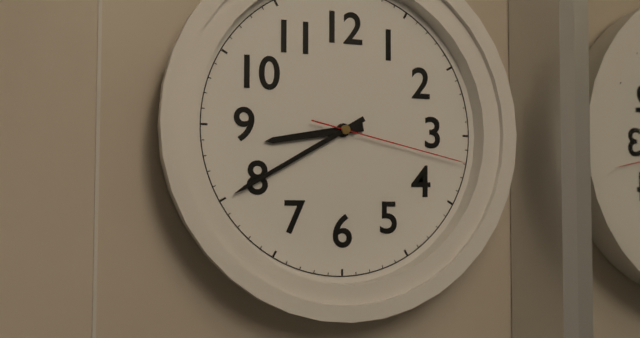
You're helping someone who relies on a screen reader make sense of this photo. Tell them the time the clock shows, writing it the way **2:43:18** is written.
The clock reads **8:40:17**
